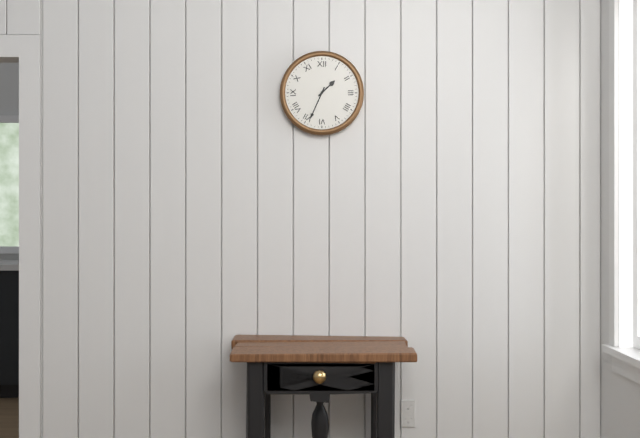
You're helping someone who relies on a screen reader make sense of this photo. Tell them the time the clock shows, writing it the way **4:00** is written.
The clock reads **1:34**
